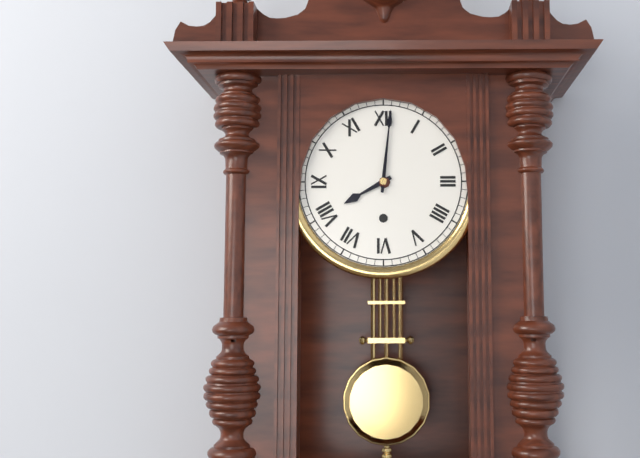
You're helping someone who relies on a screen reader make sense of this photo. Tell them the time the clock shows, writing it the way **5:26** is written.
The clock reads **8:01**
